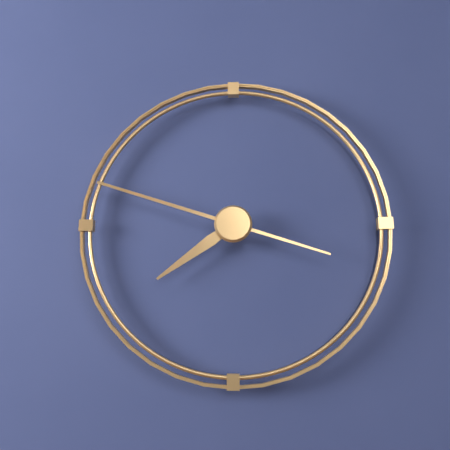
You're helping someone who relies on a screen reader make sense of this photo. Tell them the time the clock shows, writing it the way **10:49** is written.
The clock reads **7:48**
